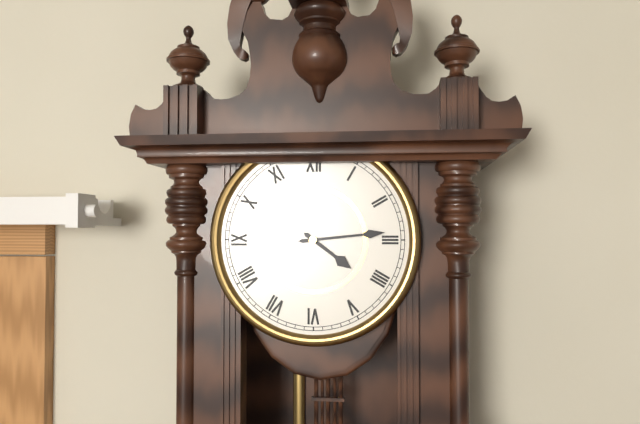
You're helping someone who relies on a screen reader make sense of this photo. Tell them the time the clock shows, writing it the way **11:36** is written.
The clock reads **4:14**
